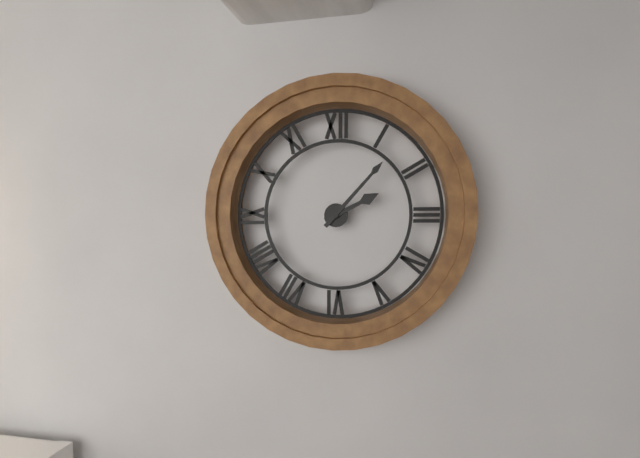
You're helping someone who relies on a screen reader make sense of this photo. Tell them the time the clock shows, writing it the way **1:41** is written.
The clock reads **2:07**
